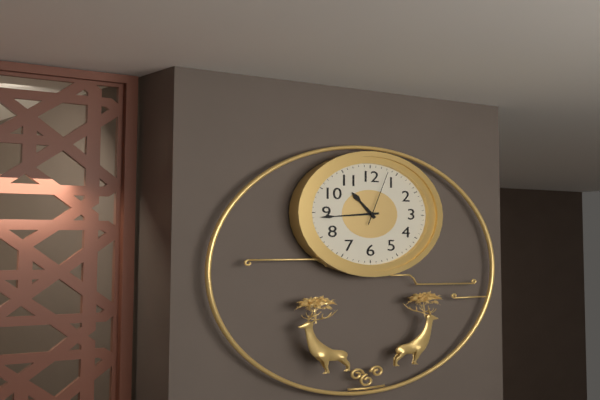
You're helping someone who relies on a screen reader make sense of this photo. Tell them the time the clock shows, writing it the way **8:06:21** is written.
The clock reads **10:44:03**
